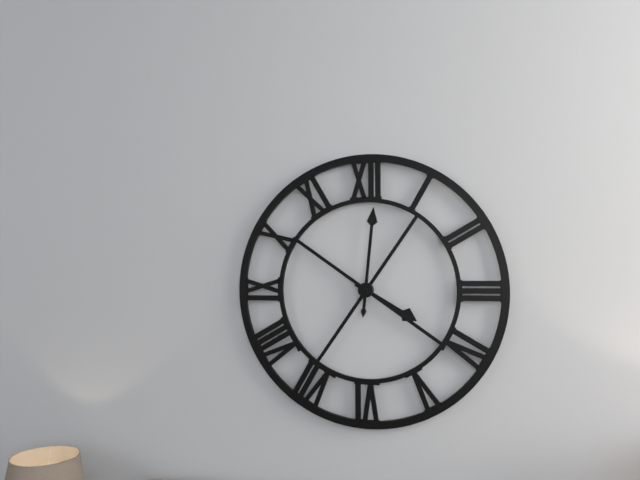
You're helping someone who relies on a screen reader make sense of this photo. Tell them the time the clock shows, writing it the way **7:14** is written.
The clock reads **4:01**
